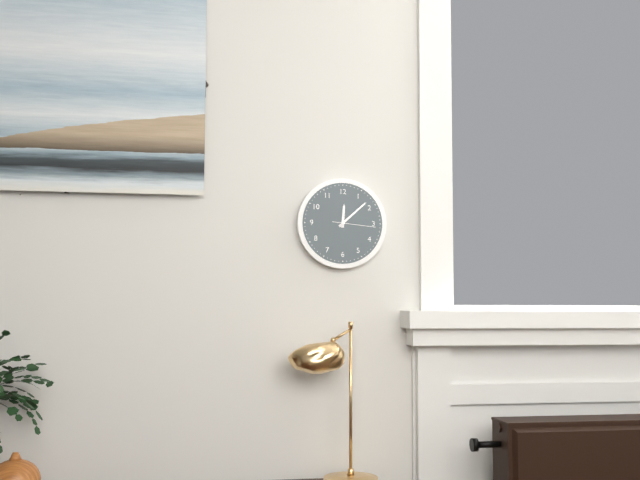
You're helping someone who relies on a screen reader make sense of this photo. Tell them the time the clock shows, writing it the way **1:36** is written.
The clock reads **12:08**
